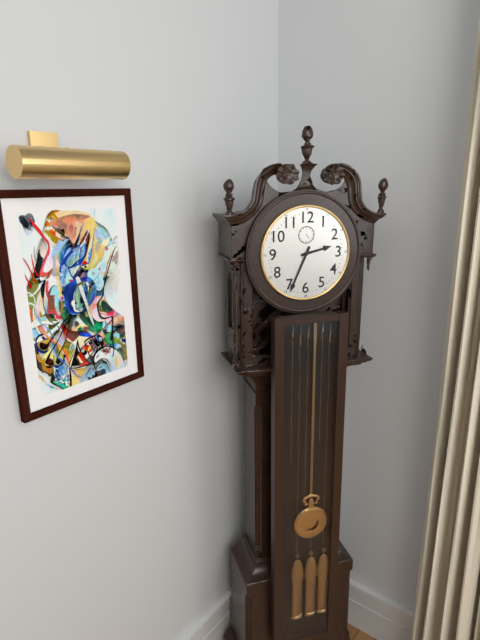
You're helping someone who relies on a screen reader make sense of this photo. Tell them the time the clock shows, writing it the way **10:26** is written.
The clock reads **2:34**
